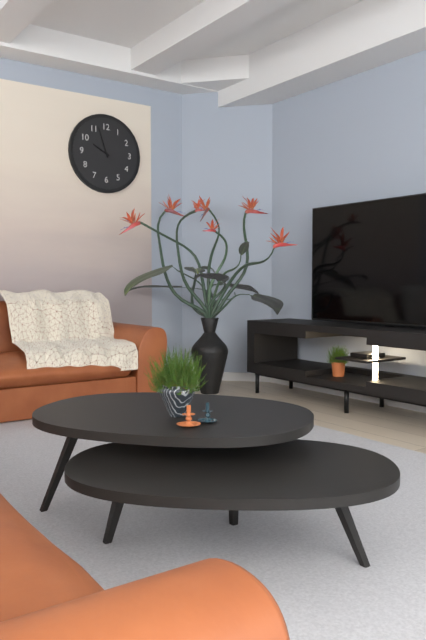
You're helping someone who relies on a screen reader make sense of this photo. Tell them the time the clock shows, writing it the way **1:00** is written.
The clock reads **9:57**
